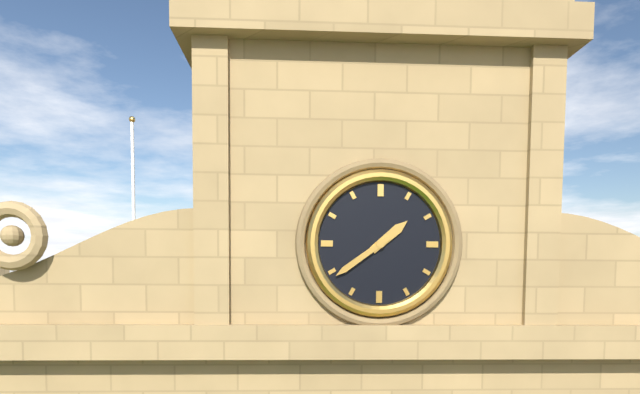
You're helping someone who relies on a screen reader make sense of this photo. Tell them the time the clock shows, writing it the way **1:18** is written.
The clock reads **1:39**
